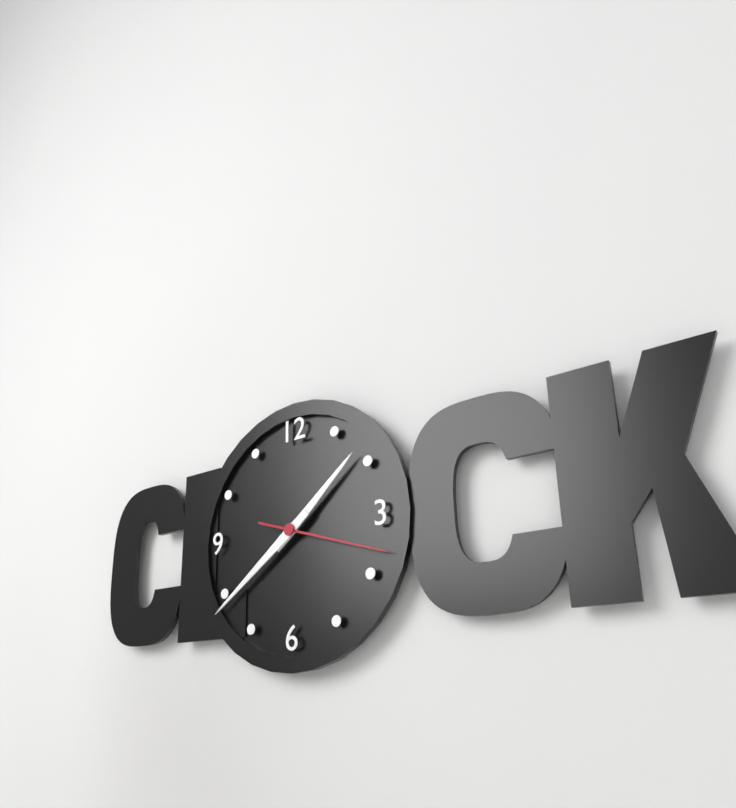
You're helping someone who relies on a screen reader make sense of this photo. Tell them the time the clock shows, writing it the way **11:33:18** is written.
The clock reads **1:39:18**
